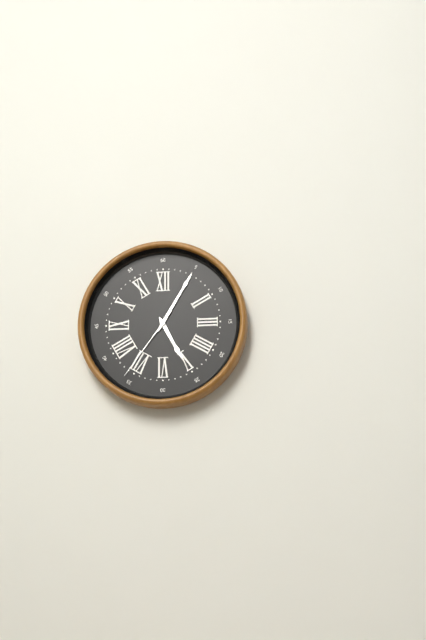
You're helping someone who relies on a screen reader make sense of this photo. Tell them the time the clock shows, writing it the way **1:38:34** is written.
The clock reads **5:05:36**
